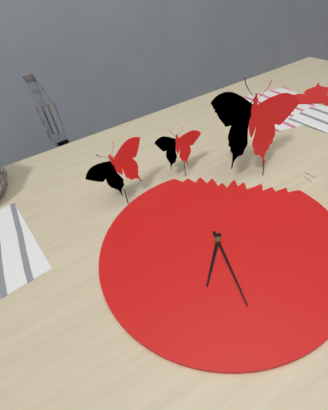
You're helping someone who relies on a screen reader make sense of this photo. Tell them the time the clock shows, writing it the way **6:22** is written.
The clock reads **7:33**
